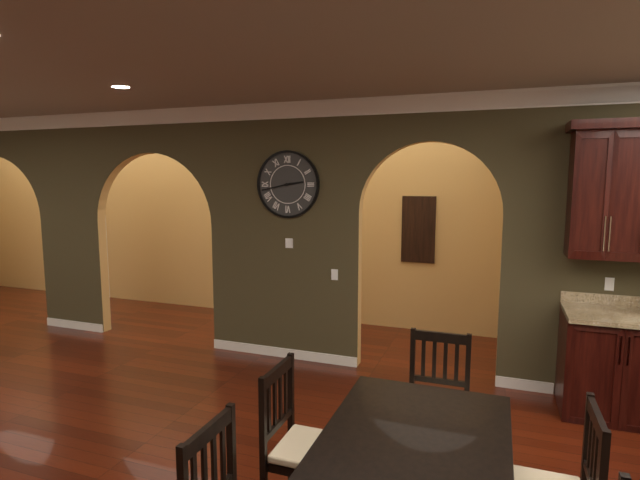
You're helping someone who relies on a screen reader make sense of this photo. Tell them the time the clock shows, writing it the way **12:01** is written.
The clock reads **2:43**
